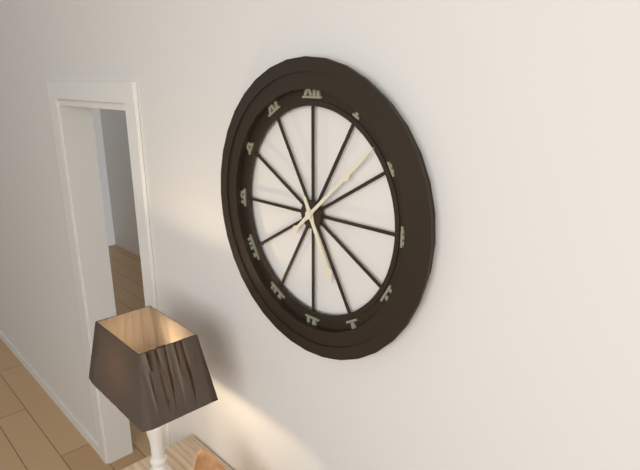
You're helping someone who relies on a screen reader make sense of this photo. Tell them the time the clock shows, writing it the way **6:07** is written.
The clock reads **5:08**
